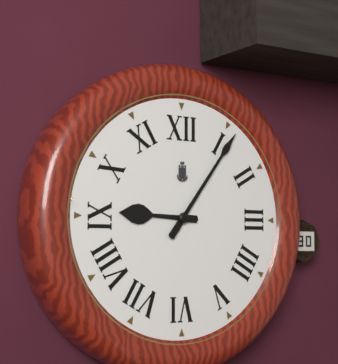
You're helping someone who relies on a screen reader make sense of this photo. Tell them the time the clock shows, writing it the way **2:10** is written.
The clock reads **9:06**
